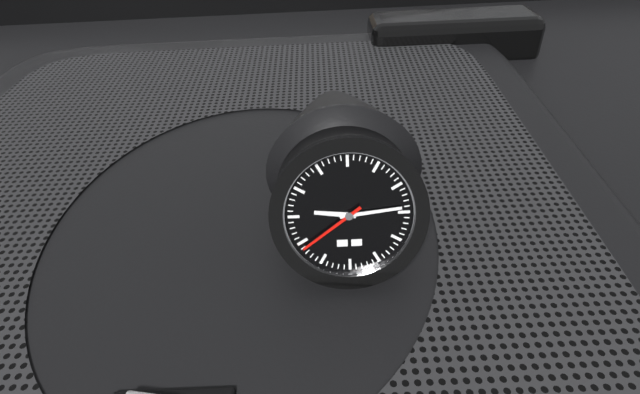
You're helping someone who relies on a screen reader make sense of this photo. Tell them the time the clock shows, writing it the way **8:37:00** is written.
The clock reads **9:14:39**
